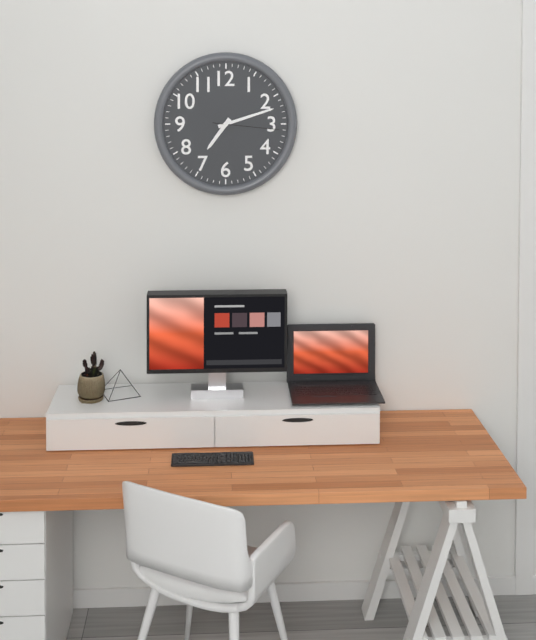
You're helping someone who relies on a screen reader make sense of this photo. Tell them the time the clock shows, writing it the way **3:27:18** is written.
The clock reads **7:12:16**
